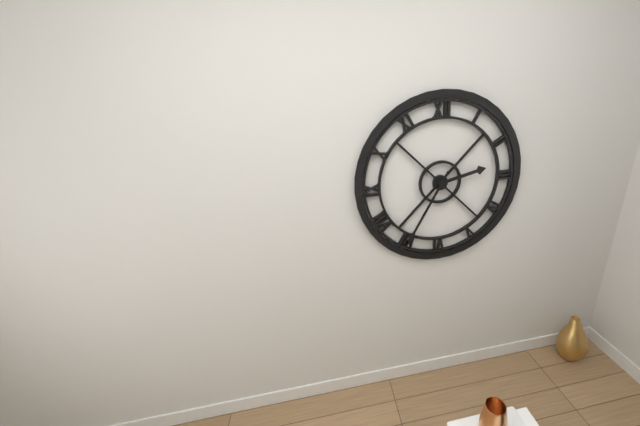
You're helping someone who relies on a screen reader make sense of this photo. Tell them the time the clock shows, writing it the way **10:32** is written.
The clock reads **2:35**
